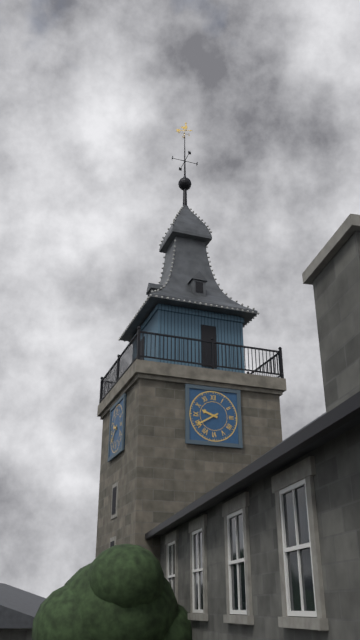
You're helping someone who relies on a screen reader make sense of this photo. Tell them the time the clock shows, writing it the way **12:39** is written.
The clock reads **9:40**
